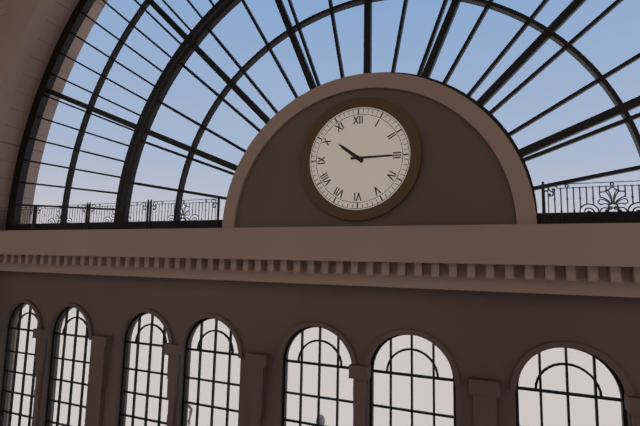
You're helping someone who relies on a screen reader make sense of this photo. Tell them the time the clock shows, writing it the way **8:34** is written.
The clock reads **10:15**
